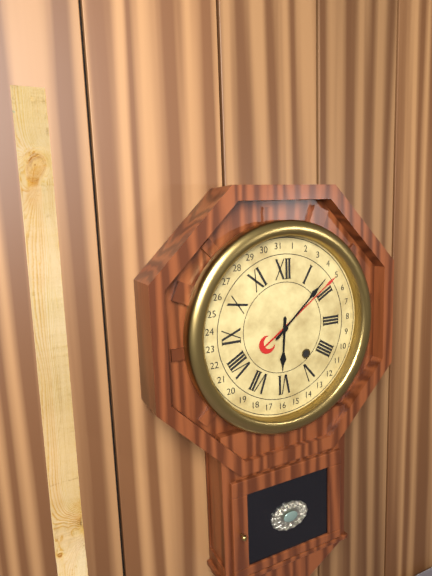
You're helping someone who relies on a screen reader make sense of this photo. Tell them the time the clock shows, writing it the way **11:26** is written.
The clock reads **6:08**
